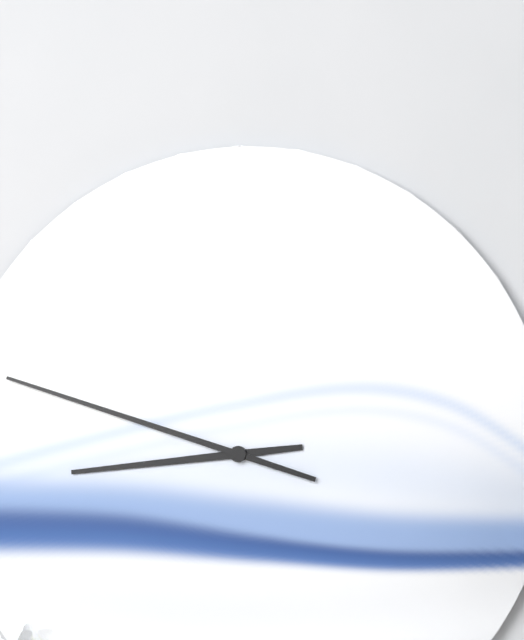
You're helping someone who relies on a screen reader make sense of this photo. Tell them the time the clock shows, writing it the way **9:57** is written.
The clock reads **8:48**
